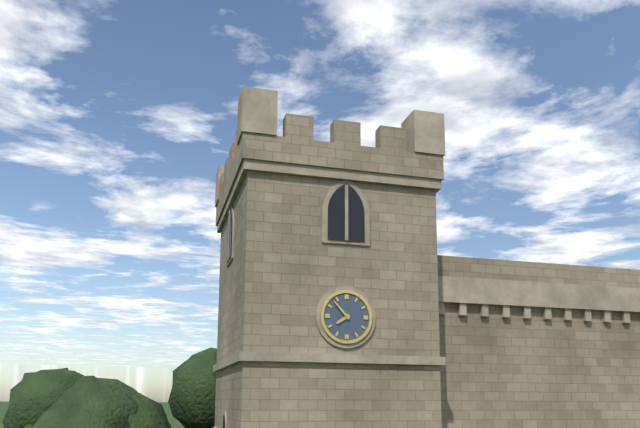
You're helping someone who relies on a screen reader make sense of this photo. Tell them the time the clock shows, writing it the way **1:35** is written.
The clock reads **7:53**
